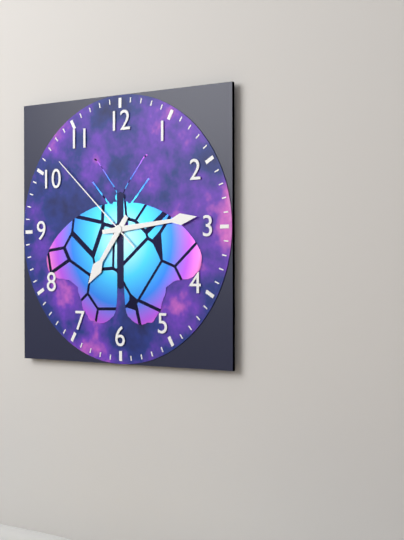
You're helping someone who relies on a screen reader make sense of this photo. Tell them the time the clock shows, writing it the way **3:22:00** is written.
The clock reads **7:14:52**
